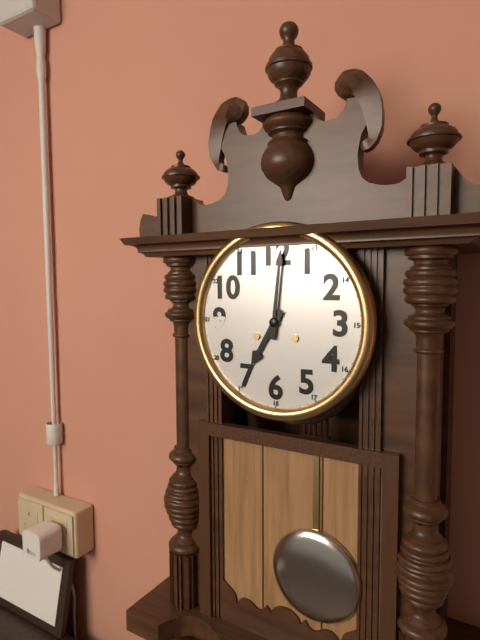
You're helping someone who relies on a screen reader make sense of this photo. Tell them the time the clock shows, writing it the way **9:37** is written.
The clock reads **7:01**
